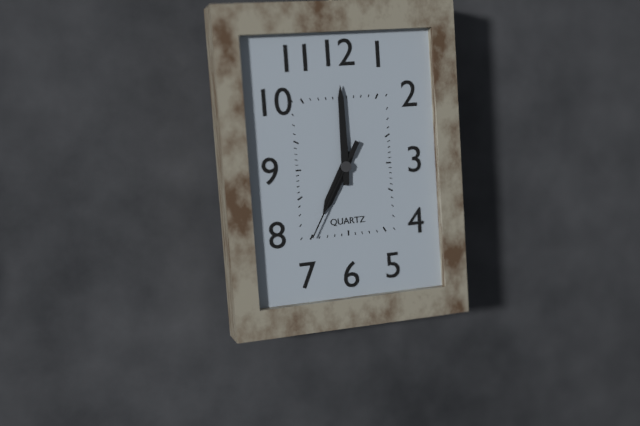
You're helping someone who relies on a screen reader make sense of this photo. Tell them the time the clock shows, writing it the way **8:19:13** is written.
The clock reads **7:00:35**
